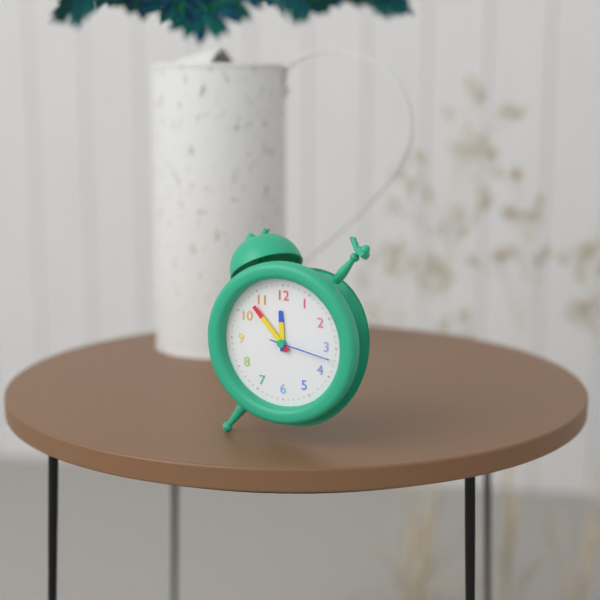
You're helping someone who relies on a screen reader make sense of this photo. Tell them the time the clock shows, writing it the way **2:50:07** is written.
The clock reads **11:53:17**
